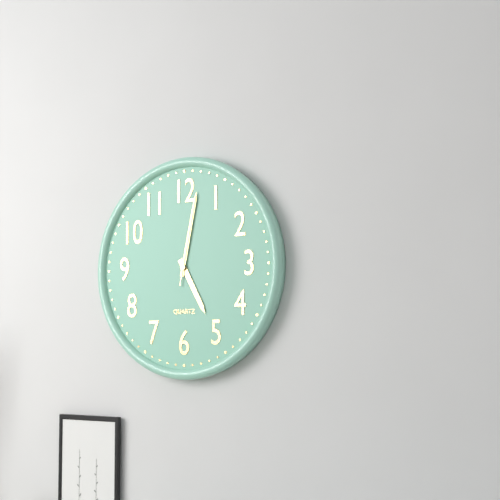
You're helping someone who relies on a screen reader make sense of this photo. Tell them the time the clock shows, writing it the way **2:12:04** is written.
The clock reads **5:02:02**
